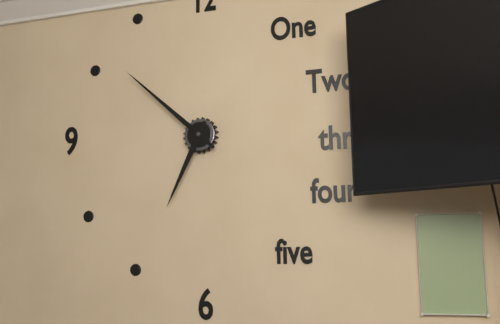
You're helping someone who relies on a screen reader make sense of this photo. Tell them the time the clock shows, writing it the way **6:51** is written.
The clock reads **6:52**
